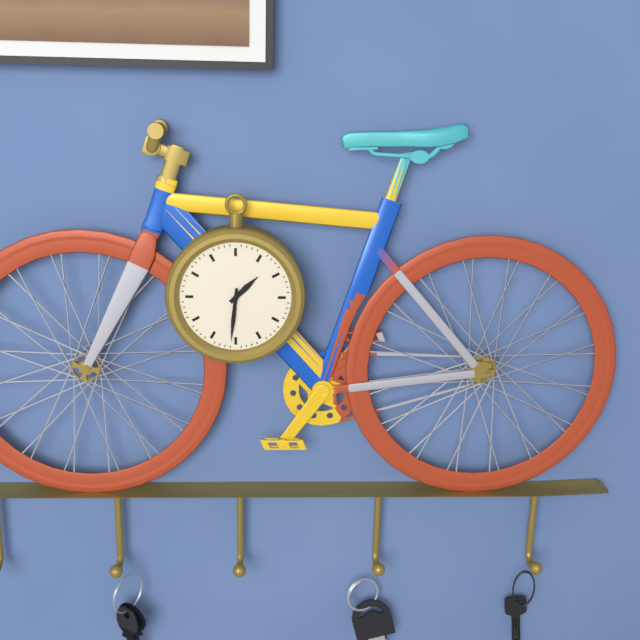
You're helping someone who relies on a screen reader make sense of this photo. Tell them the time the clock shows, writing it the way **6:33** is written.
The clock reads **1:31**
